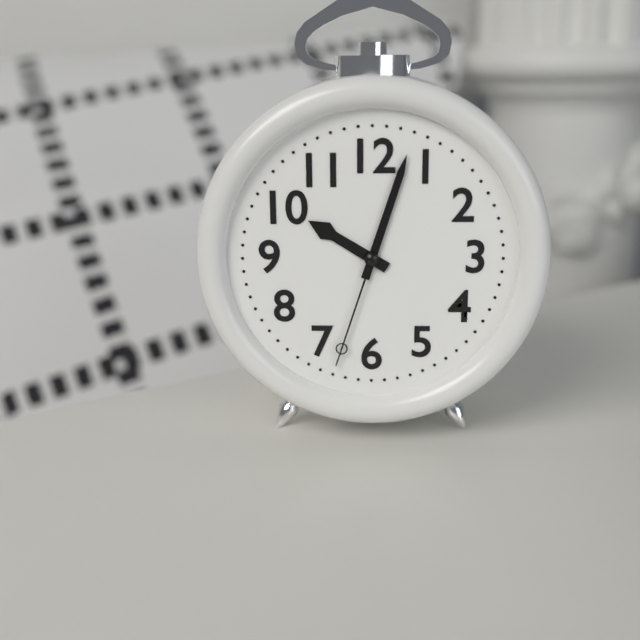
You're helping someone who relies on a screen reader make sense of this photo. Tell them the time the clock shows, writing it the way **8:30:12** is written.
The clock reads **10:03:33**
